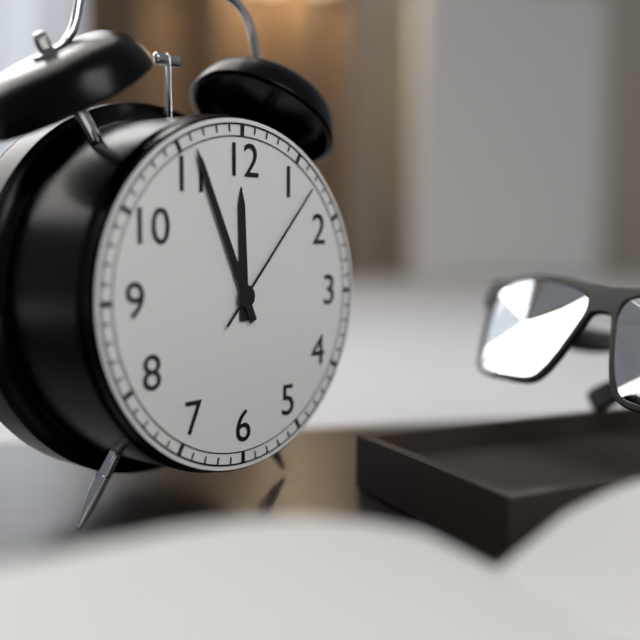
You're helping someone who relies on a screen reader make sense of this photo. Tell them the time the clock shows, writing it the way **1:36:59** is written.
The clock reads **11:56:07**
